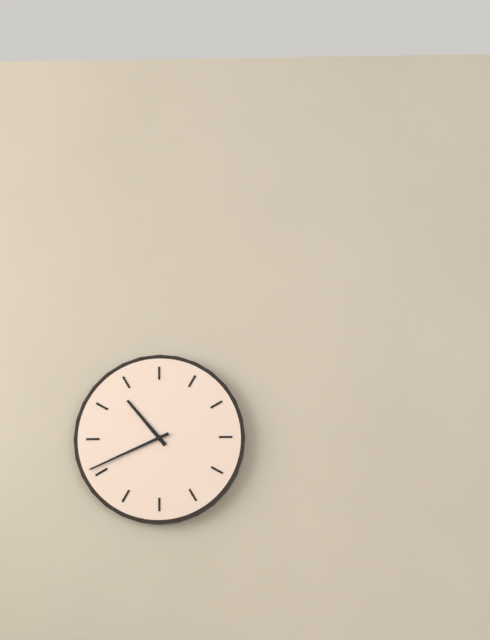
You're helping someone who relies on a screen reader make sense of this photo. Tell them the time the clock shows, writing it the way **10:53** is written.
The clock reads **10:41**
